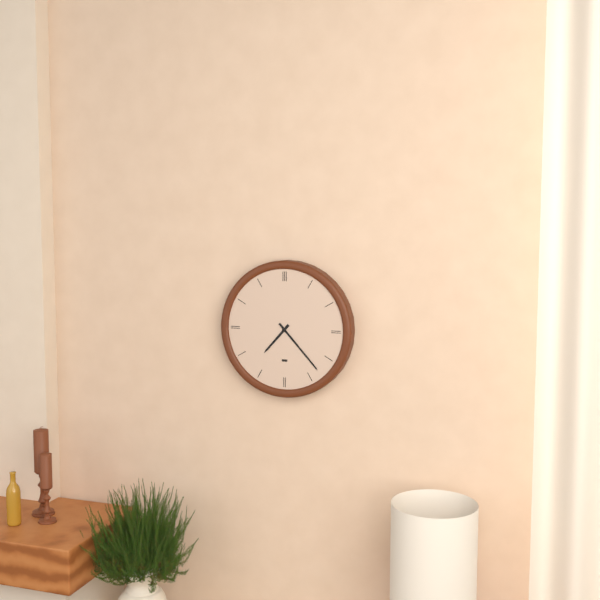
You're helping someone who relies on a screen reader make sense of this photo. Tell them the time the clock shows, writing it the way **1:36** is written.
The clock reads **7:23**
